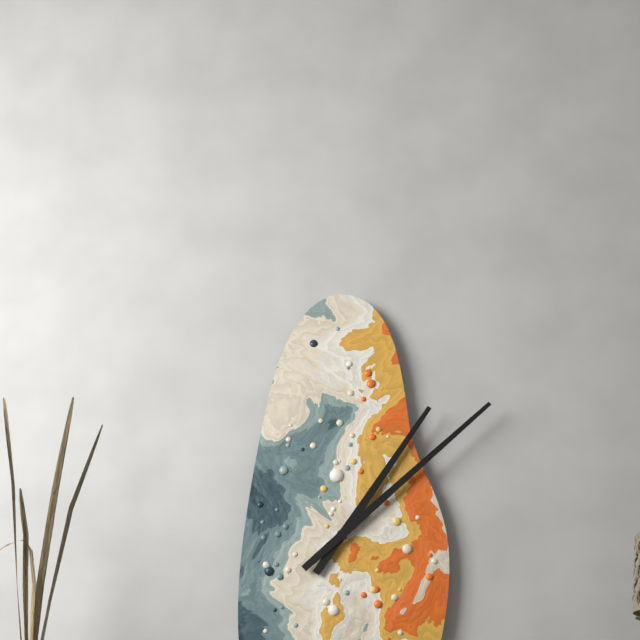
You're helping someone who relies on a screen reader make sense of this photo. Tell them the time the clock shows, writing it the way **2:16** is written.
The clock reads **1:08**
